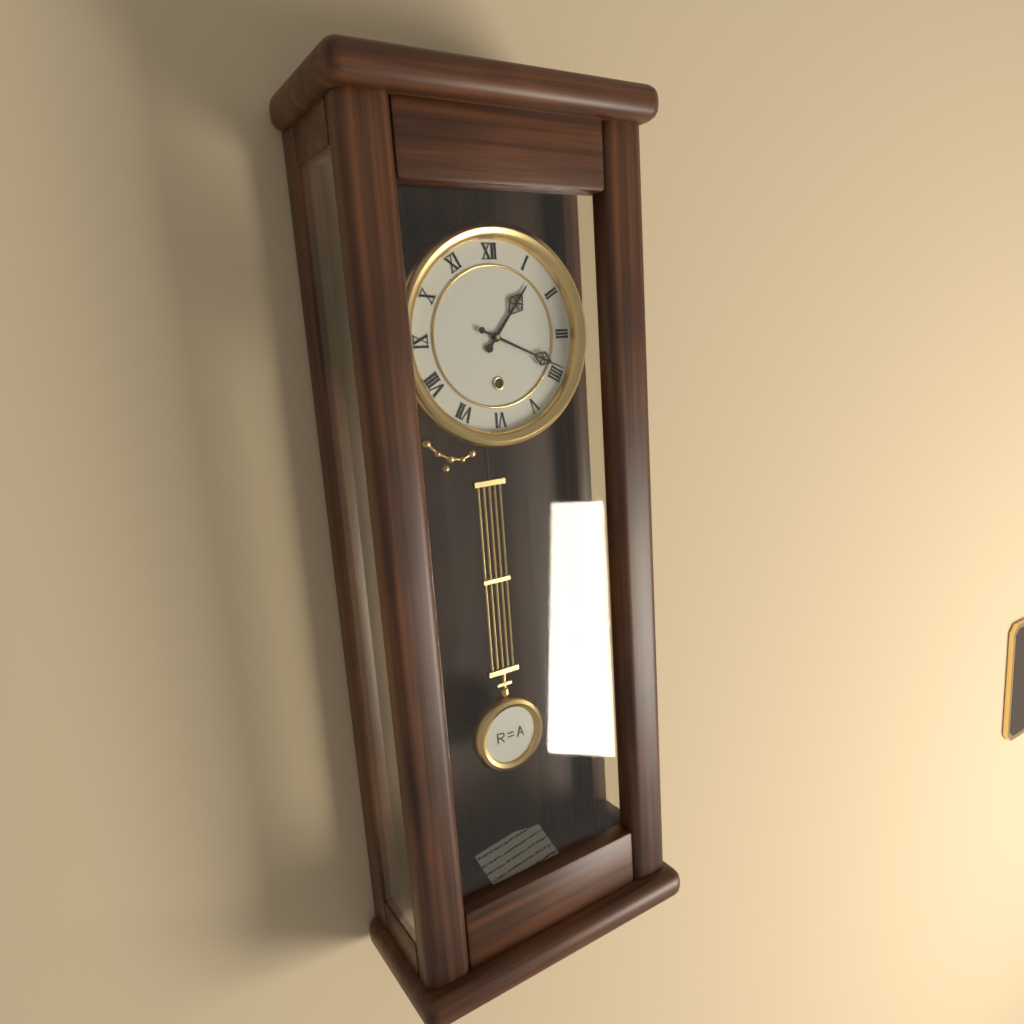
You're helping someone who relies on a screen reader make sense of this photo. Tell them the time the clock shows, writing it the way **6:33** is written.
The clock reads **1:19**
